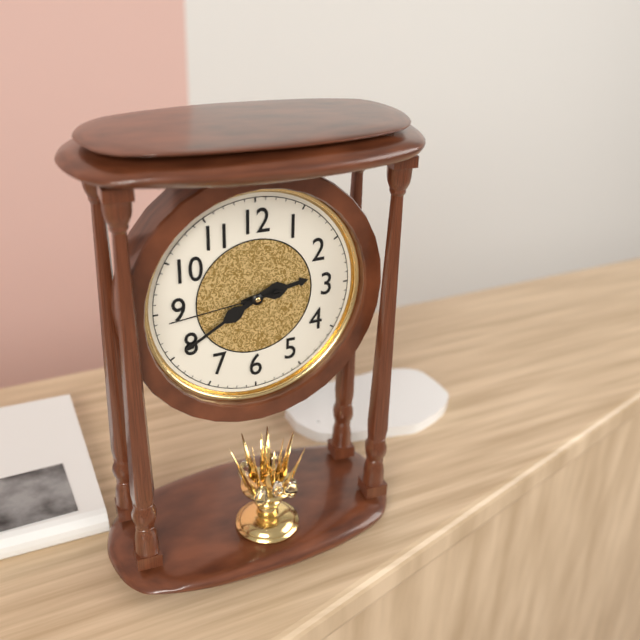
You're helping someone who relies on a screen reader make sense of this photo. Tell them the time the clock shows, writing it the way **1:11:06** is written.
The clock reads **2:40:44**
